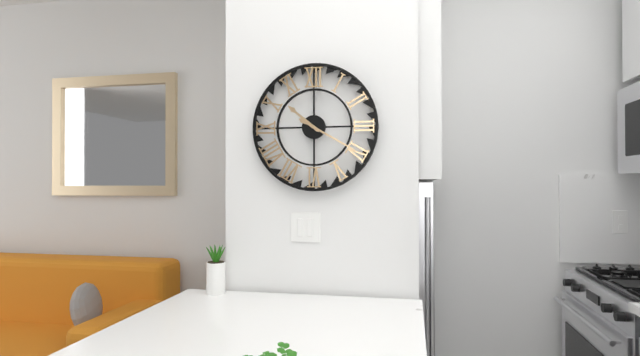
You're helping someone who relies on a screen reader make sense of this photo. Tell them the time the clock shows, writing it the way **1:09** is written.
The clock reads **10:20**
